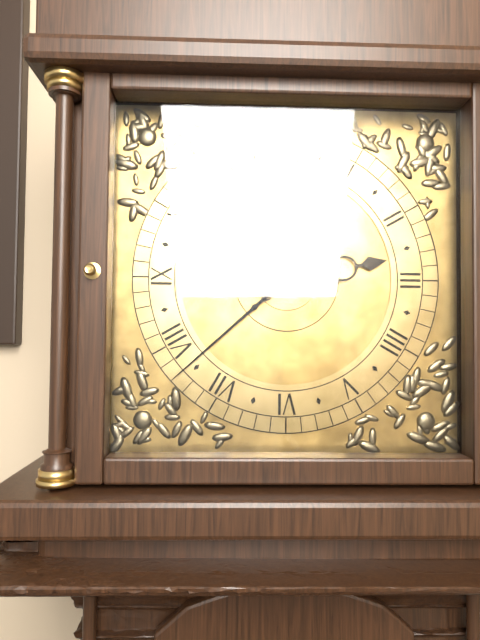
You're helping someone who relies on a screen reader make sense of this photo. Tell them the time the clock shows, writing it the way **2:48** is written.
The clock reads **2:38**
